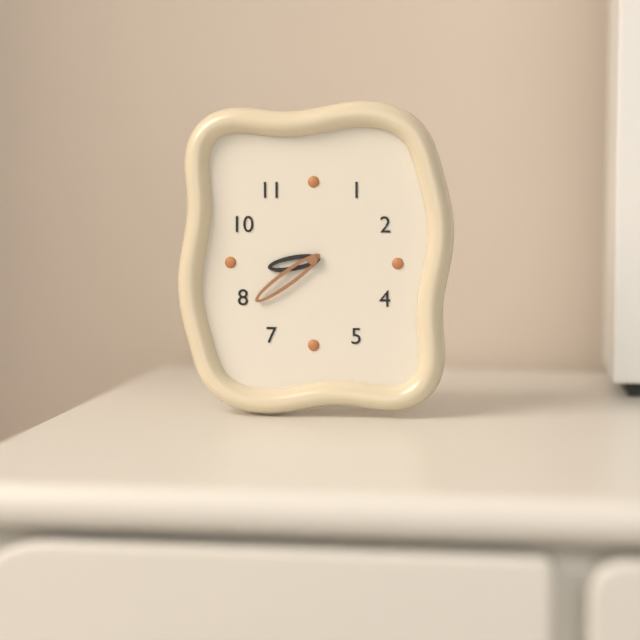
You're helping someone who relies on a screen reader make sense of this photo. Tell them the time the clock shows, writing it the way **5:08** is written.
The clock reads **8:39**
